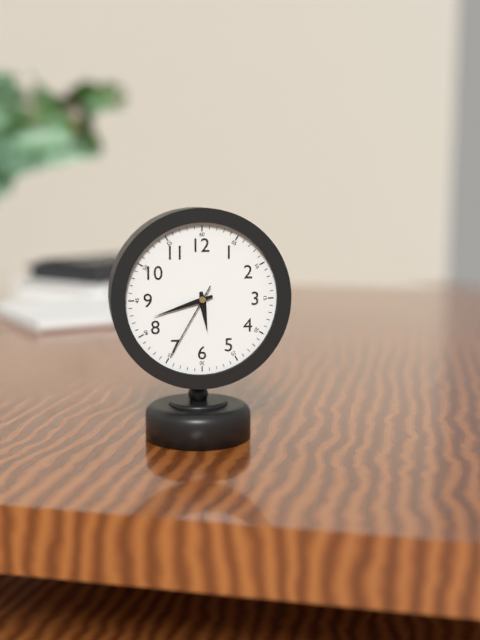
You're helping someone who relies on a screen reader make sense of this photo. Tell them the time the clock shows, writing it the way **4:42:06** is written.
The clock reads **5:42:35**
